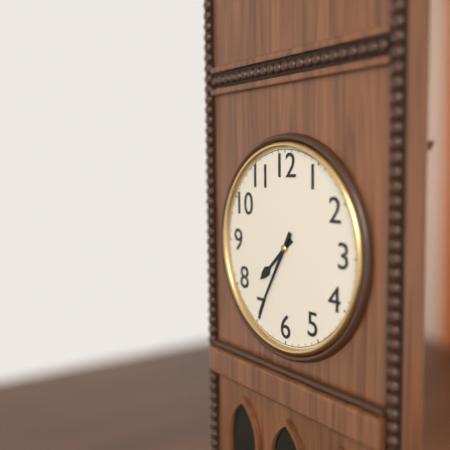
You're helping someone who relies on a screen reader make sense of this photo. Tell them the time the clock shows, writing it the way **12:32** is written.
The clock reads **7:35**
